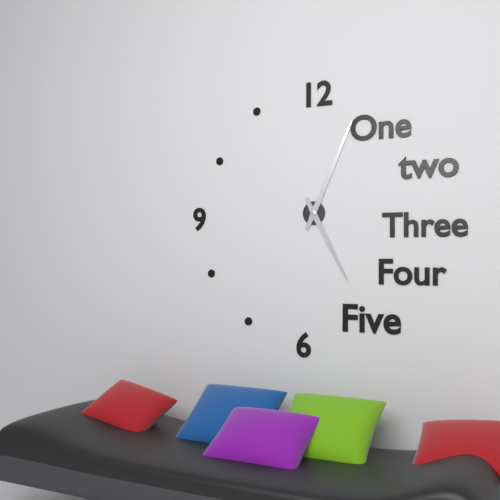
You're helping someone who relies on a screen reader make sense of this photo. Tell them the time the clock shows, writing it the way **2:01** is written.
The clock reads **5:04**
